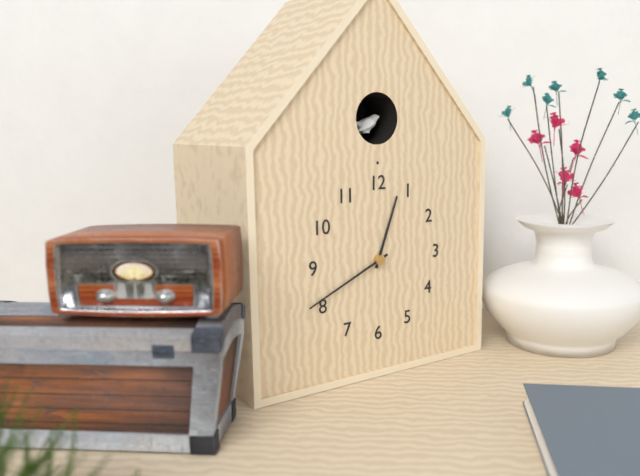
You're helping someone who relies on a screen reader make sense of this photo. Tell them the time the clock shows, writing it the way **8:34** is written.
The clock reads **12:41**
